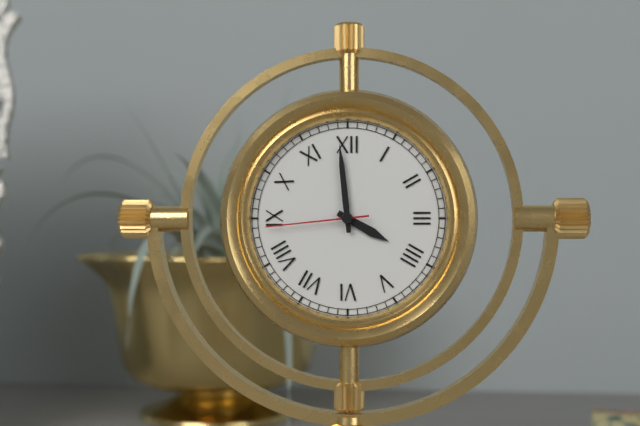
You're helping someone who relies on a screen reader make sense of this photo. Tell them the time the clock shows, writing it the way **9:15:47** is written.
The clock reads **3:59:44**
